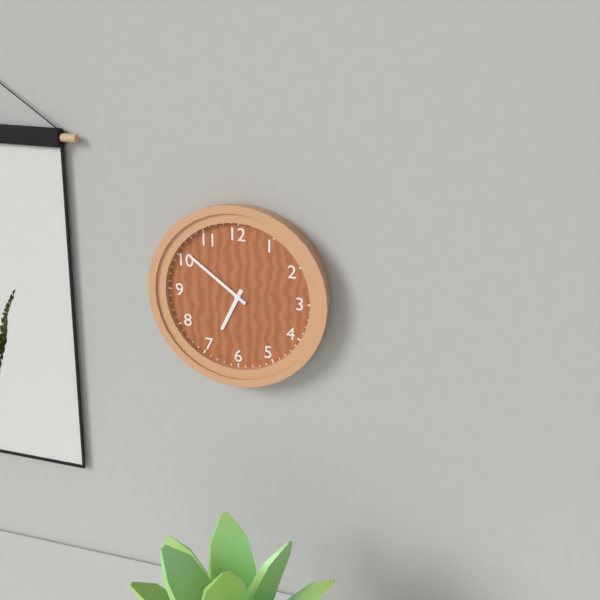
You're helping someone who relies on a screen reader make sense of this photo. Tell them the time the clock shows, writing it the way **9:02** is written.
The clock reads **6:51**
